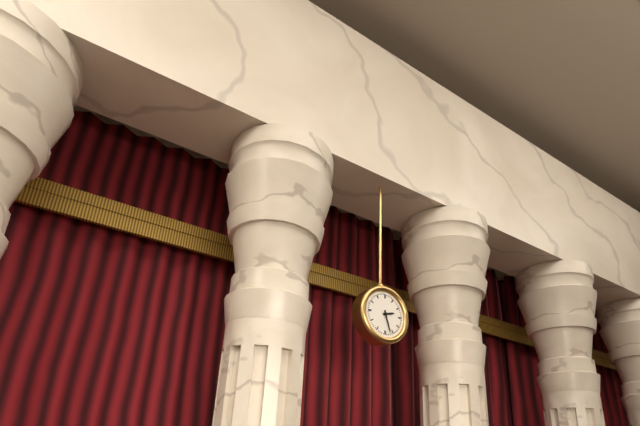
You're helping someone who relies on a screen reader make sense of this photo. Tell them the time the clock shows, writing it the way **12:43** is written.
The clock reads **2:27**
